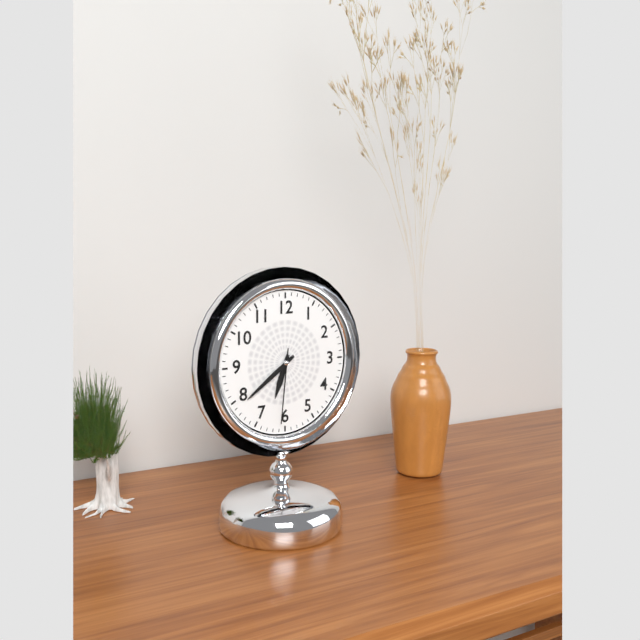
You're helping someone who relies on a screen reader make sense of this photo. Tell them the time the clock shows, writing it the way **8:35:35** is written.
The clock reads **6:39:31**
